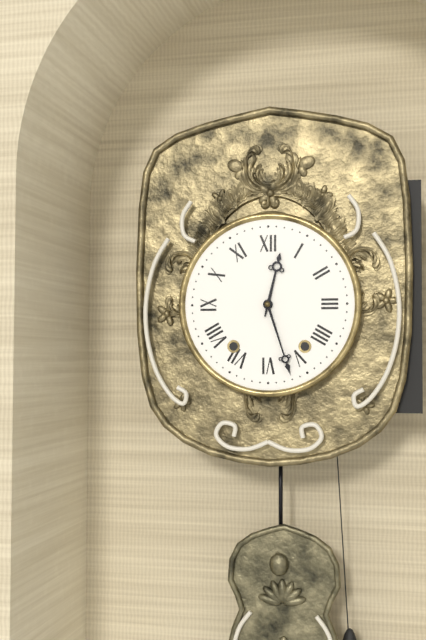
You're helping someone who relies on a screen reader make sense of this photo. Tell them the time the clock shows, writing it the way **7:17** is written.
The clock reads **12:27**
